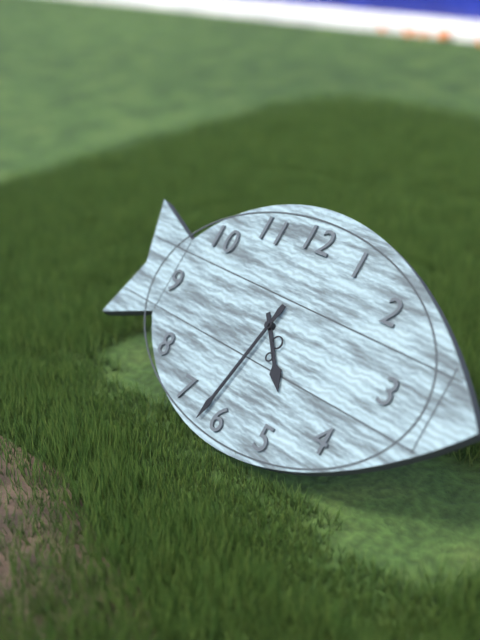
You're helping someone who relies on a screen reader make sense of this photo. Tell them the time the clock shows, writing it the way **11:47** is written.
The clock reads **4:32**
